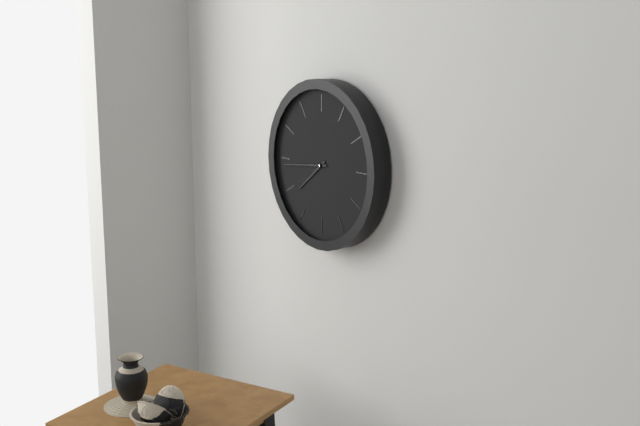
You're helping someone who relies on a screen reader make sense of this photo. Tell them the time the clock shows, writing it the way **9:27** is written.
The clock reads **7:44**
